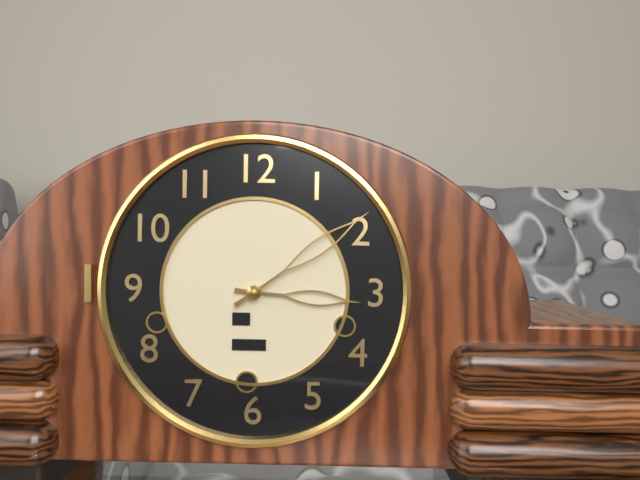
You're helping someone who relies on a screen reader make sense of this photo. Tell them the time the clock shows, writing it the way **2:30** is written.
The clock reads **3:09**
